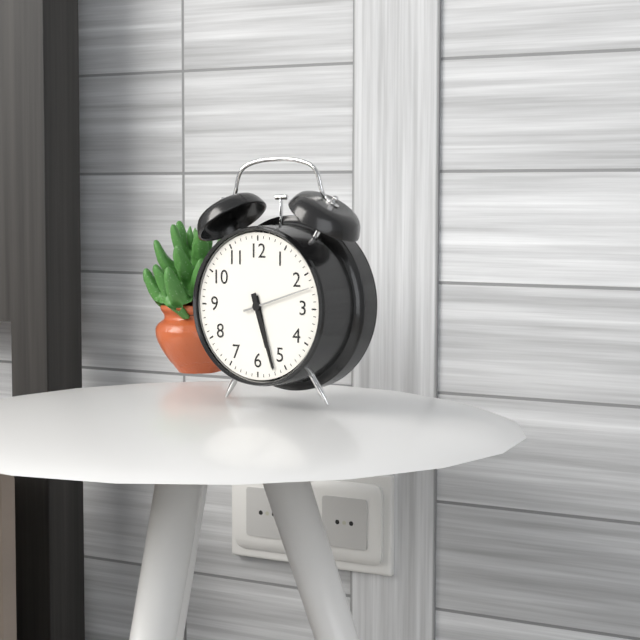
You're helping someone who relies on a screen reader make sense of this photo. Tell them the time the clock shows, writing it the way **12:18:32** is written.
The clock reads **5:27:12**
